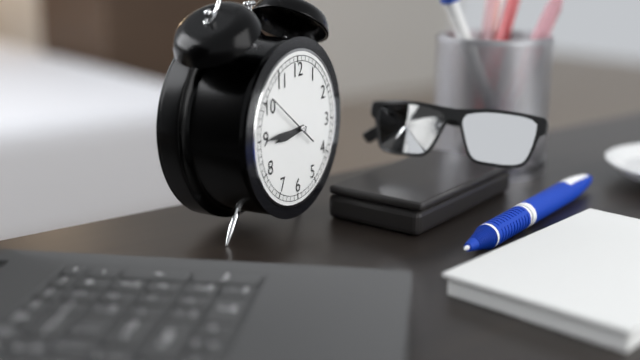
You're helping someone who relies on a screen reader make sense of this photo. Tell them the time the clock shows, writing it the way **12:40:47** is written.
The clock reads **8:45:51**
